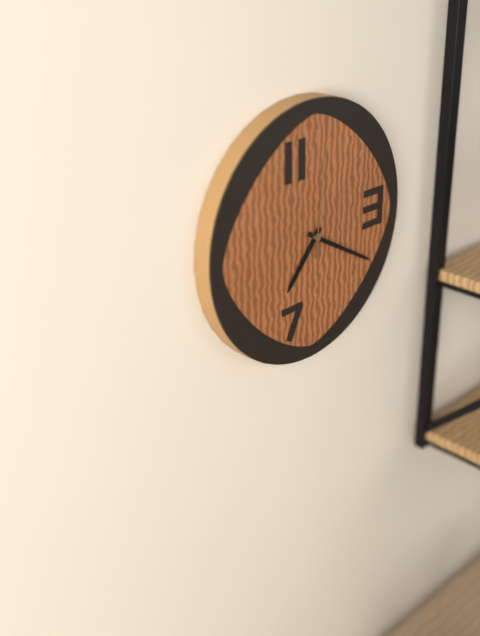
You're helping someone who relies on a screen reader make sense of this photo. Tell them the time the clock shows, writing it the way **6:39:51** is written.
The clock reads **7:20:01**
